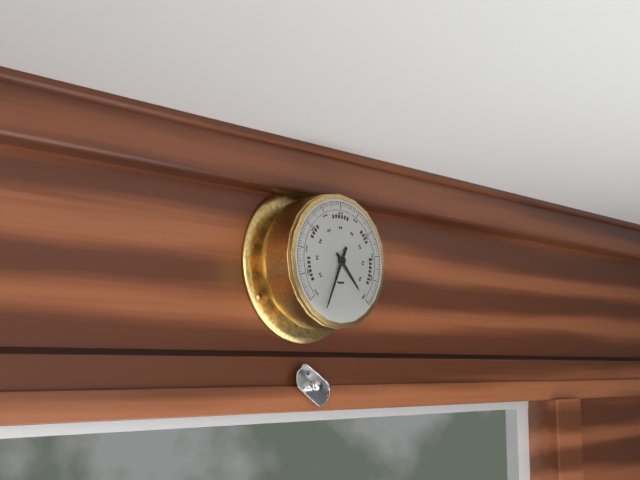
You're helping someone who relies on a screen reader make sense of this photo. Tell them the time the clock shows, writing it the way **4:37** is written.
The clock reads **4:34**
